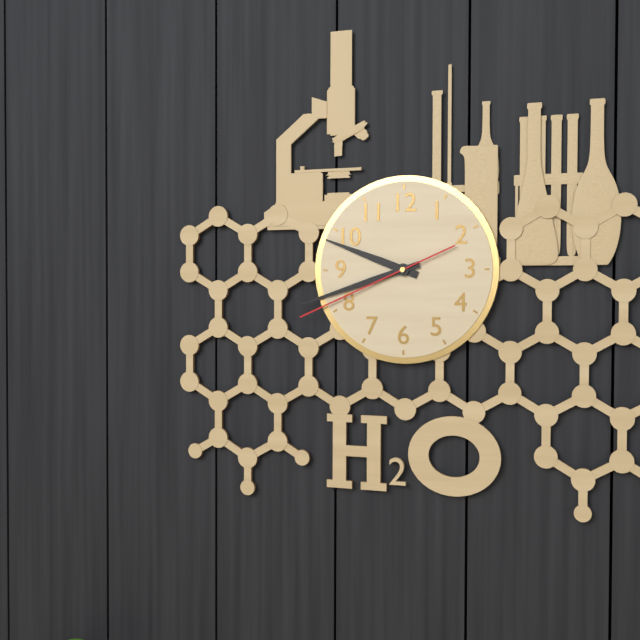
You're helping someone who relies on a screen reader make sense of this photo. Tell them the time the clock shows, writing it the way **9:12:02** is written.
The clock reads **9:42:41**
